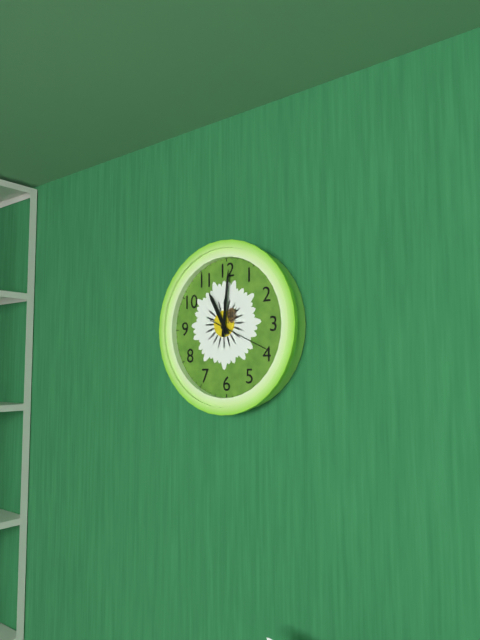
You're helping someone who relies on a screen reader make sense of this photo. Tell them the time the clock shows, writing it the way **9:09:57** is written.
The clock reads **11:01:19**
